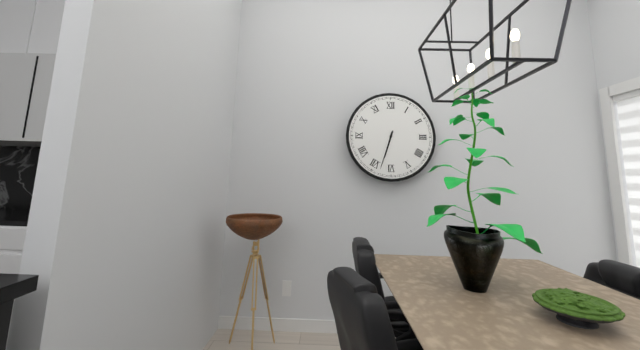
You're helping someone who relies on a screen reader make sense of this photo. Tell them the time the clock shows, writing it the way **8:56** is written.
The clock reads **6:33**
